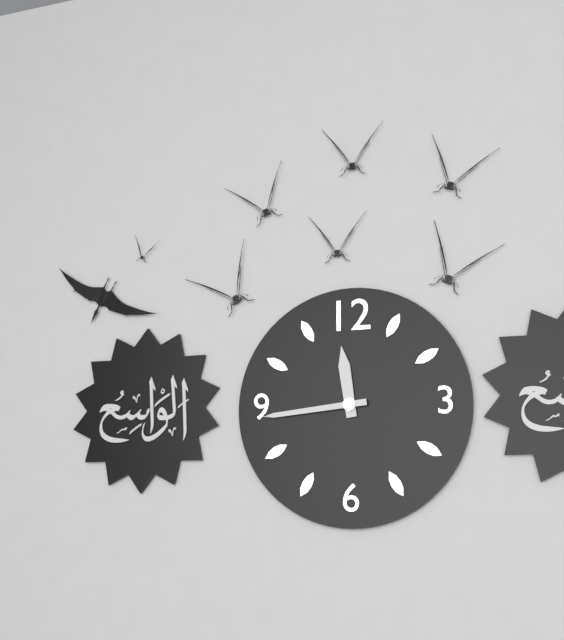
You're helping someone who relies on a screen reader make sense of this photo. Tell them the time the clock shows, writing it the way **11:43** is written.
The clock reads **11:44**
